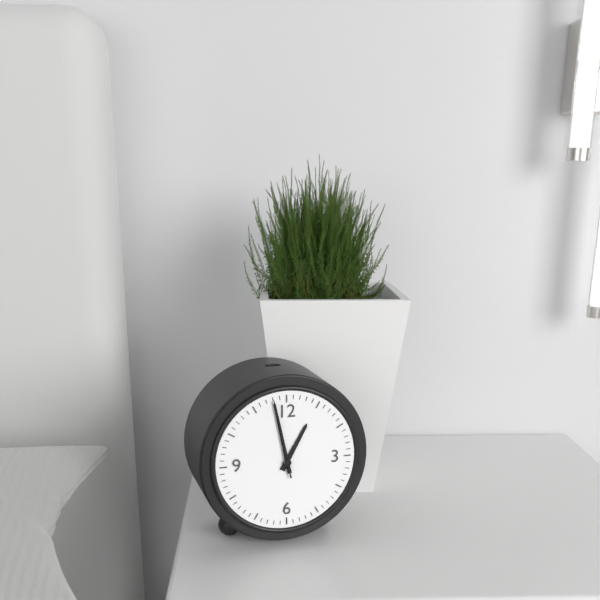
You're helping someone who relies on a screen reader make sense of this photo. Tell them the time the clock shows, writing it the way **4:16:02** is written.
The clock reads **12:58:58**
